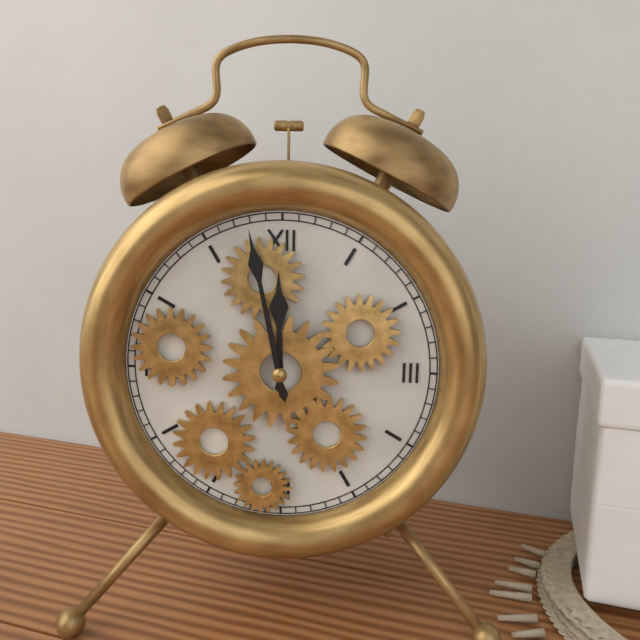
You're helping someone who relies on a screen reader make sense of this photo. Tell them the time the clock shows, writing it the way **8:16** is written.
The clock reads **11:58**
